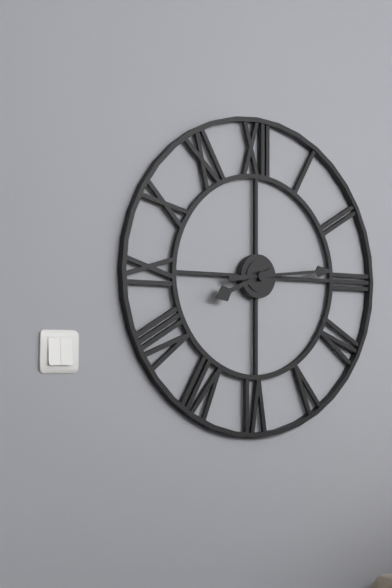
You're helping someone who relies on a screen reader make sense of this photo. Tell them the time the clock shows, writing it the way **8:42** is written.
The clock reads **8:14**
